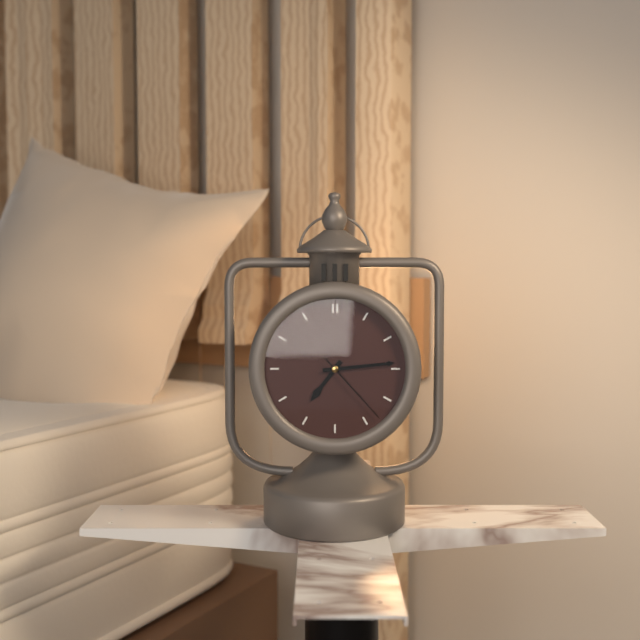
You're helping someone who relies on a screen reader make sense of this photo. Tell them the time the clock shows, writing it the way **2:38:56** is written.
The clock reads **7:14:23**
